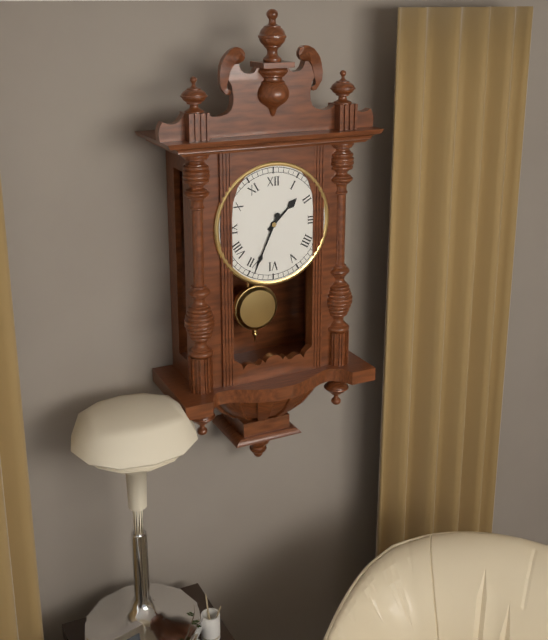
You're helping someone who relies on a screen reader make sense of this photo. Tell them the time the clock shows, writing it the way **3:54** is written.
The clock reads **1:34**
